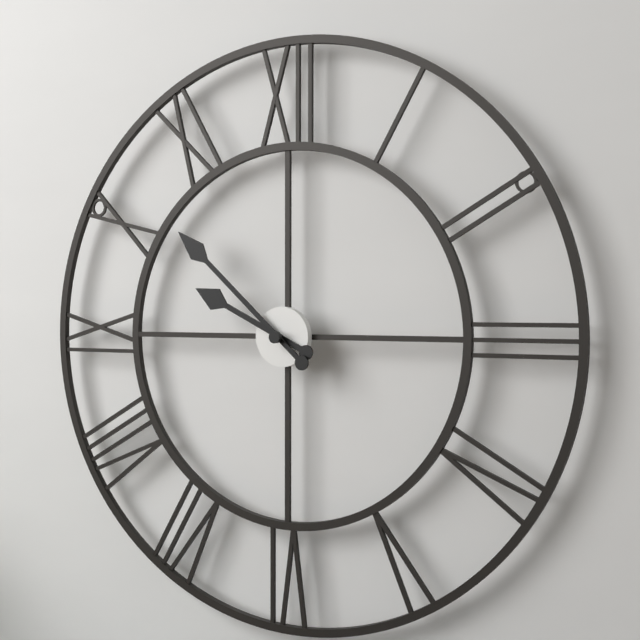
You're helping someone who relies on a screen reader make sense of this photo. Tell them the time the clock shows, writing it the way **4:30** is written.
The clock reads **9:52**
